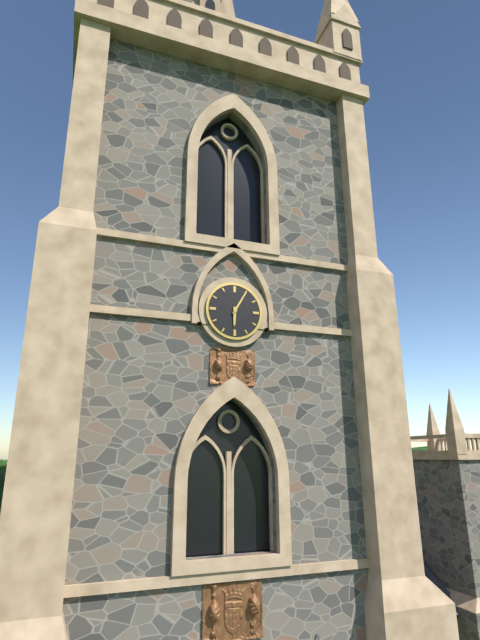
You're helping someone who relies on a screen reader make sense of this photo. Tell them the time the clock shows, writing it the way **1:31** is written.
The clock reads **6:05**
